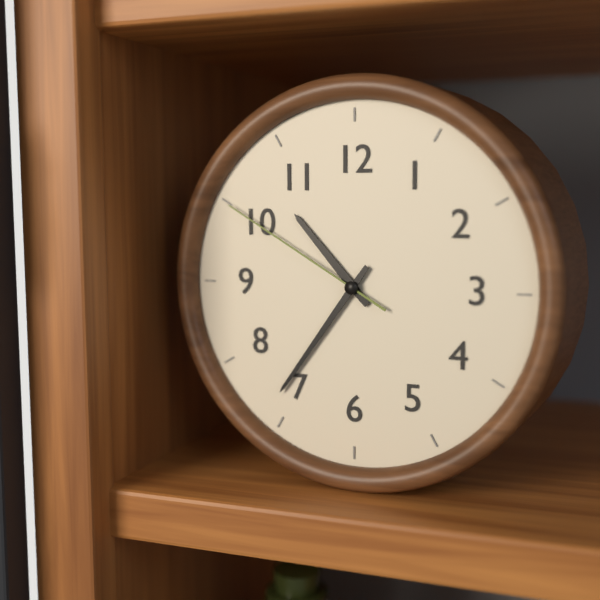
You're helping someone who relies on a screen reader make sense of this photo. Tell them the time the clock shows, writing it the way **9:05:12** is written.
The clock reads **10:36:50**
